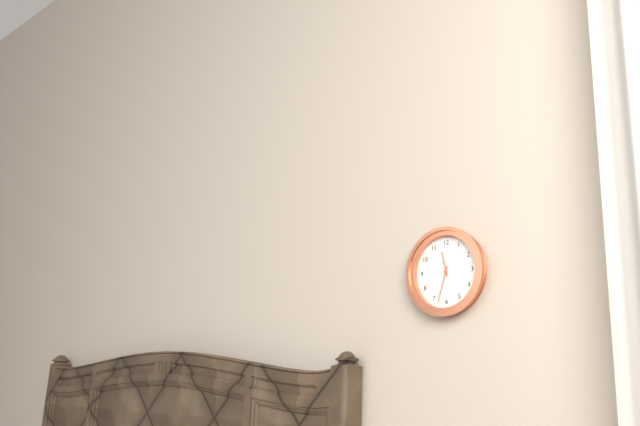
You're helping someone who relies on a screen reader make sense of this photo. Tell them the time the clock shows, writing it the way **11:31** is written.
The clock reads **11:33**
